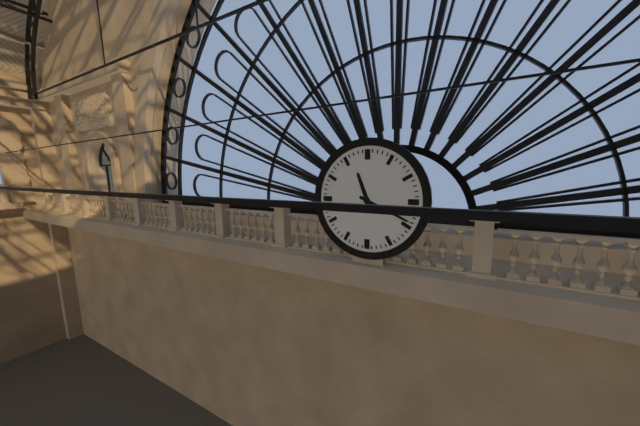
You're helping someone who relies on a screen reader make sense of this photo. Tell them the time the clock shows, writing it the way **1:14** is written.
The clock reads **11:19**
